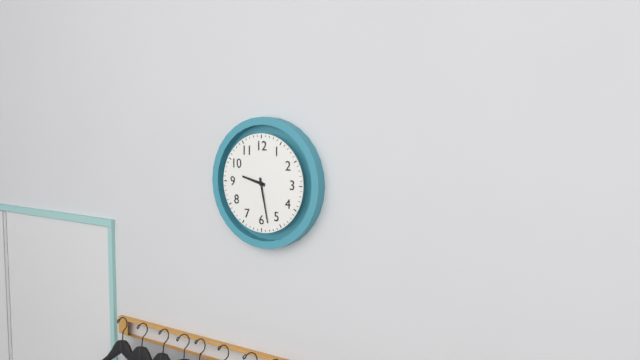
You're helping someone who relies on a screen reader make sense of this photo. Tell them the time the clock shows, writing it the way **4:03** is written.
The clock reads **9:28**
